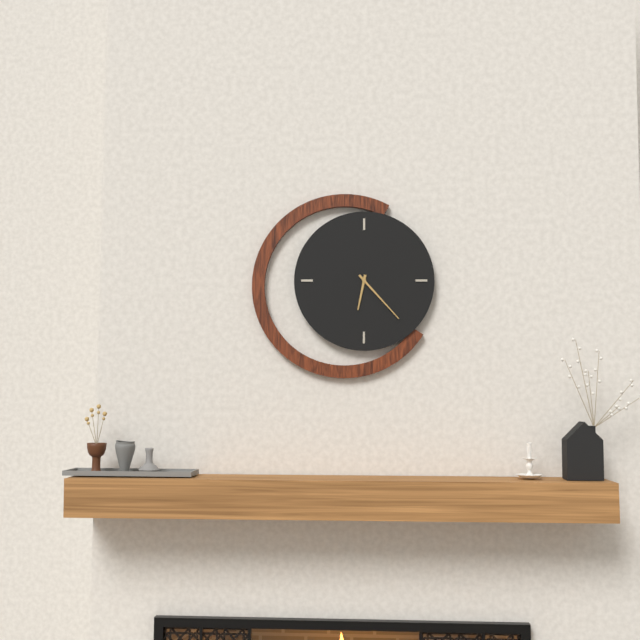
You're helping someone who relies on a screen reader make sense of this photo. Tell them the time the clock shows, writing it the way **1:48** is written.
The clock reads **6:23**
